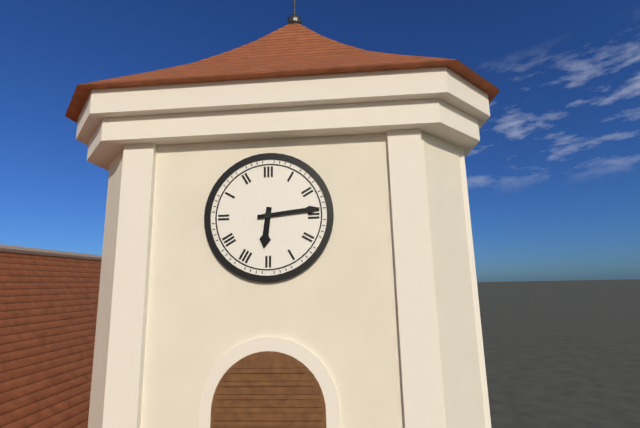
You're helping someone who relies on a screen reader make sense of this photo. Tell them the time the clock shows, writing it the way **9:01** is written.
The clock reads **6:14**
